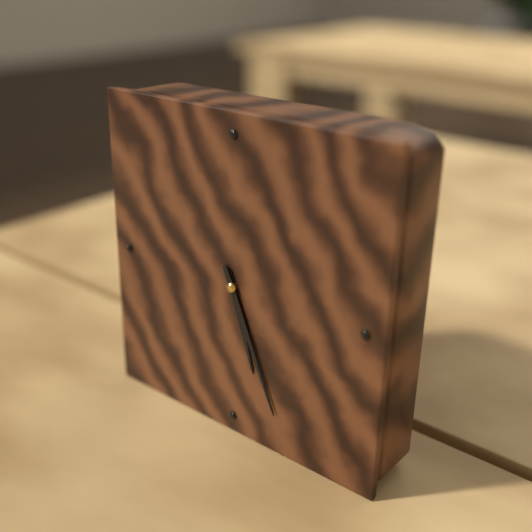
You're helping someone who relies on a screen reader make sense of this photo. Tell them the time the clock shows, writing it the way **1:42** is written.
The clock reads **5:26**
